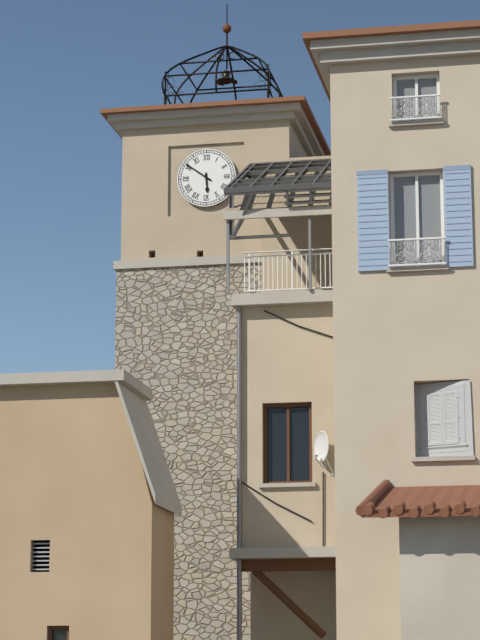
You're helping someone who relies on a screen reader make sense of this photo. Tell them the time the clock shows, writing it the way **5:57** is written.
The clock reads **5:51**
